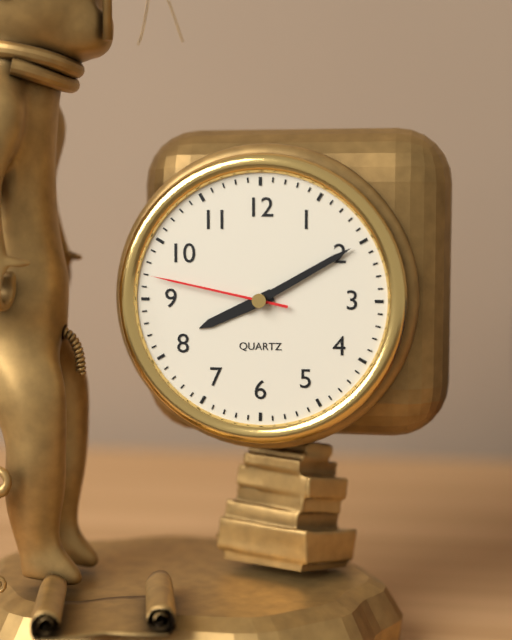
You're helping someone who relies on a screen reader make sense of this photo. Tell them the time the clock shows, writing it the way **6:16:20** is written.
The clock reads **8:10:47**
